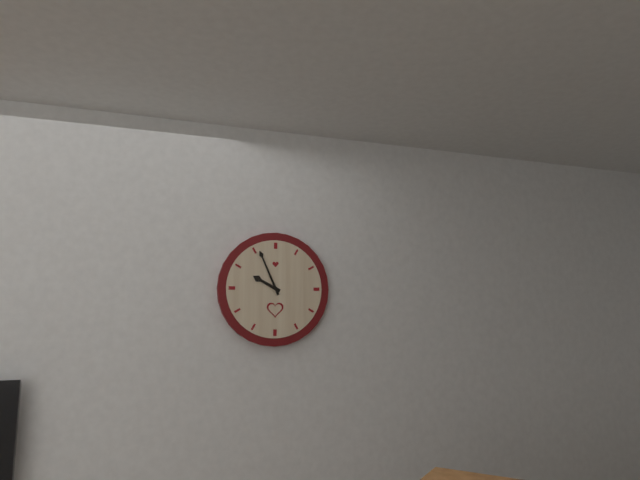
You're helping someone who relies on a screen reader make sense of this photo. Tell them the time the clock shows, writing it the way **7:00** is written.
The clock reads **9:56**
